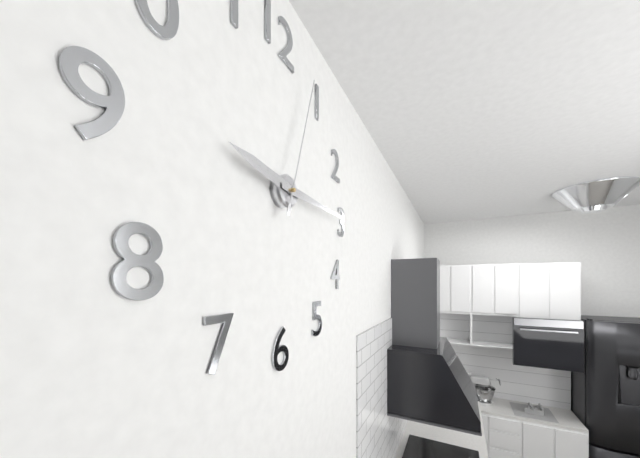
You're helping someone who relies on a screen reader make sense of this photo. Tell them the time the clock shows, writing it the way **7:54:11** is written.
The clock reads **9:15:03**
